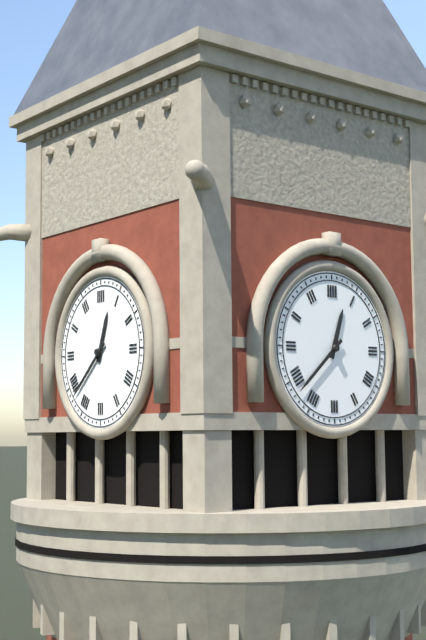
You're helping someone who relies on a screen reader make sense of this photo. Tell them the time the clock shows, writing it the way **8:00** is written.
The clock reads **12:38**
